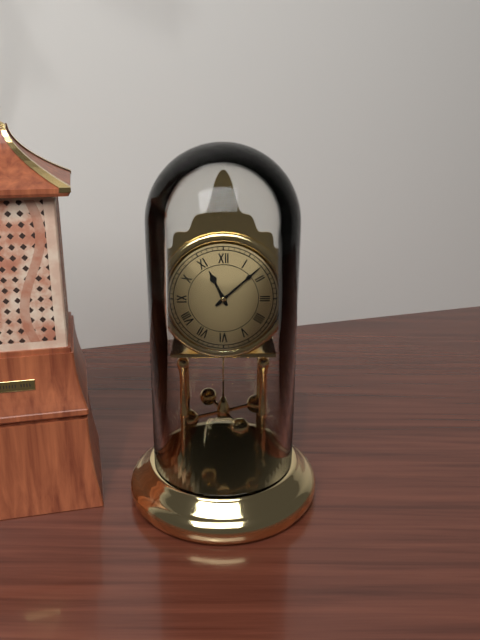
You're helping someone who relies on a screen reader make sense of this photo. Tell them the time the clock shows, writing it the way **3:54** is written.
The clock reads **11:08**
